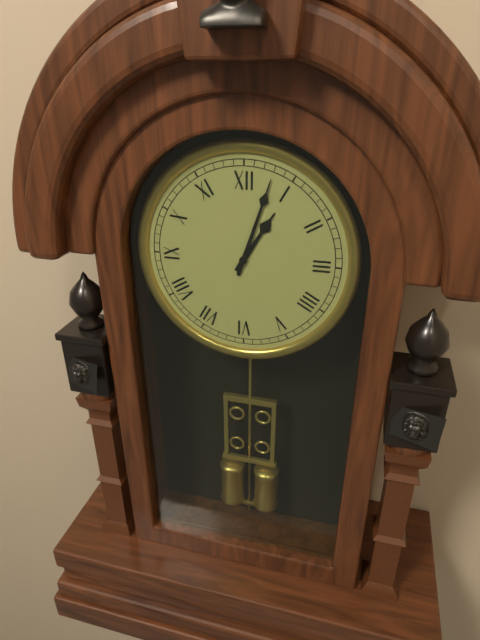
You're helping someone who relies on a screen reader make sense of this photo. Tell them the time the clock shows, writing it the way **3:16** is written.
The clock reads **1:03**
